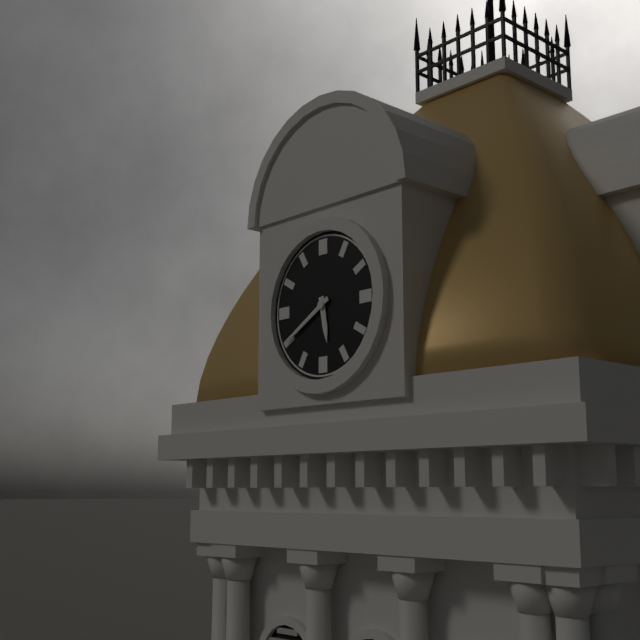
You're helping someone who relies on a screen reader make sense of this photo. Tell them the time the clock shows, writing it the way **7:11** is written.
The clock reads **5:40**
